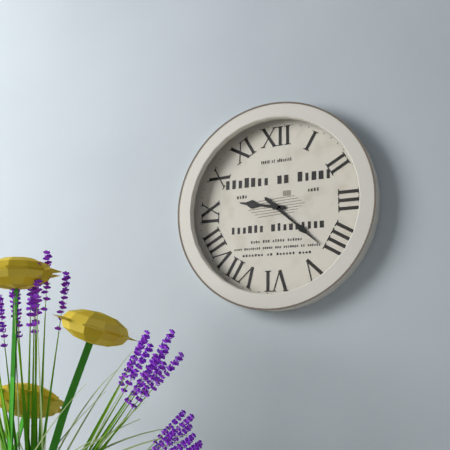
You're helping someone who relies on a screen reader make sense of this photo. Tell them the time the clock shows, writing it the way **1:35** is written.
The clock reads **9:22**
